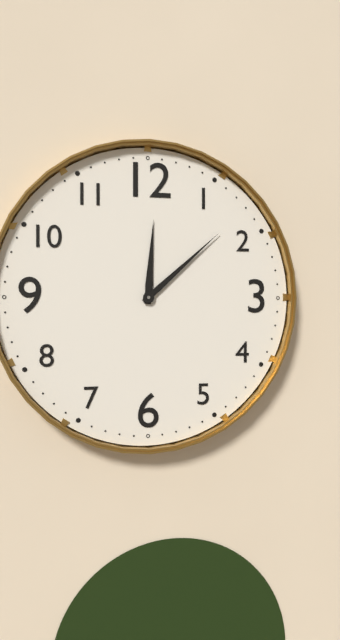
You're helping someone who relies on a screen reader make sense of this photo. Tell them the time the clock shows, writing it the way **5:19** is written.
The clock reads **12:08**
